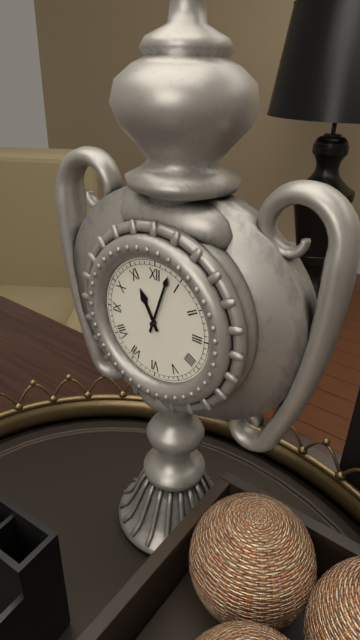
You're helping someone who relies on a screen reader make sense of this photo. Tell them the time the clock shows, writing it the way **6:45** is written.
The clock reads **11:03**
